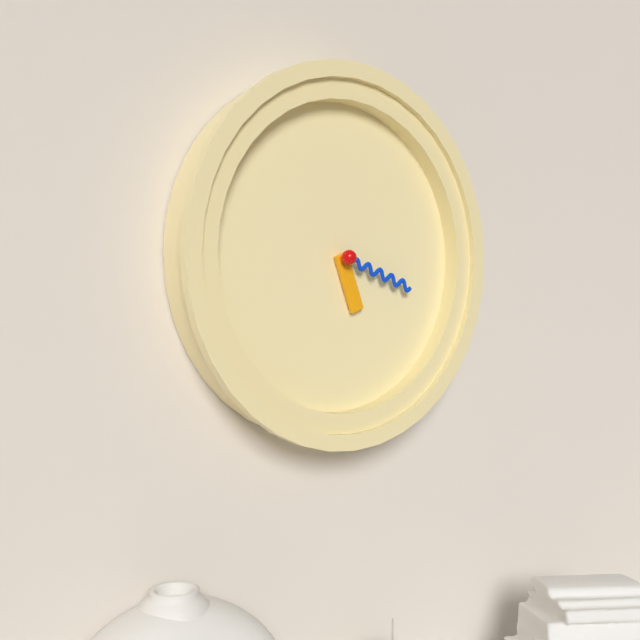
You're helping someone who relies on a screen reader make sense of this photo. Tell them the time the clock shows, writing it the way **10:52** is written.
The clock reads **5:18**
